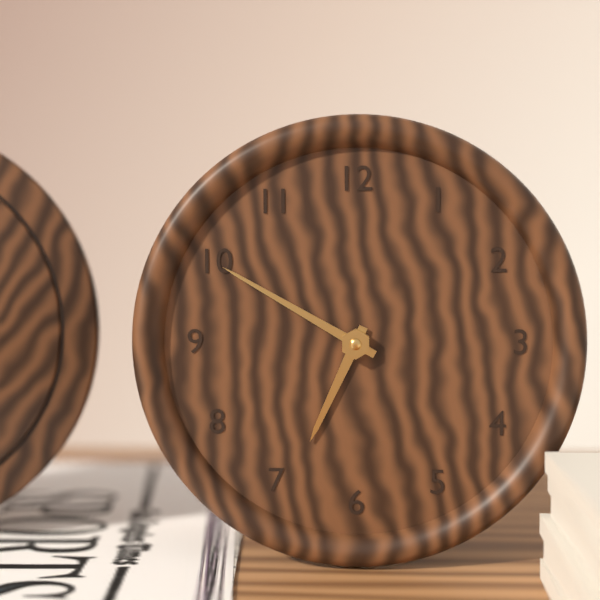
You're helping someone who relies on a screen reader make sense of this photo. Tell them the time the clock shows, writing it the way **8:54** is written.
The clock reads **6:50**
